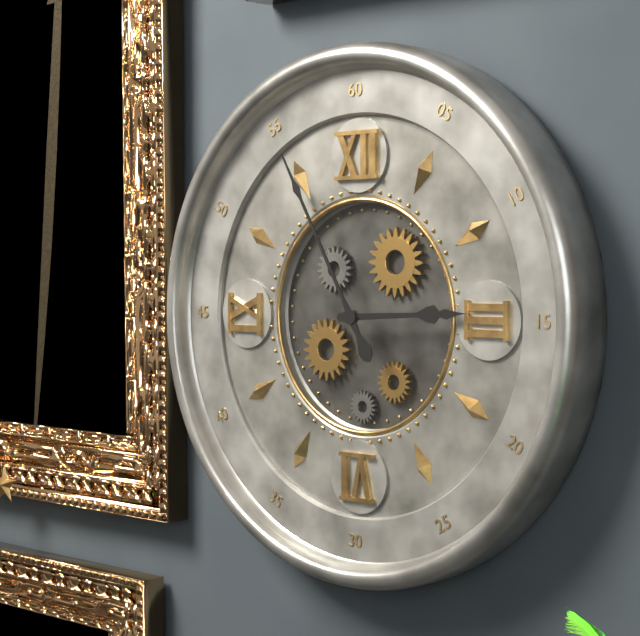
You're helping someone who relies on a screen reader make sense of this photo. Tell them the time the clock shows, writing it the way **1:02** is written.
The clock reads **2:55**
